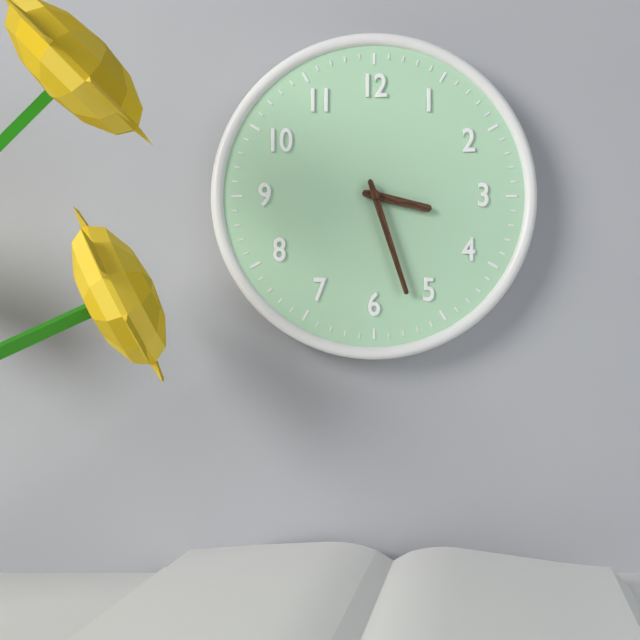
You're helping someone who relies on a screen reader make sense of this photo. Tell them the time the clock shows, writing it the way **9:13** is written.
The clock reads **3:27**
